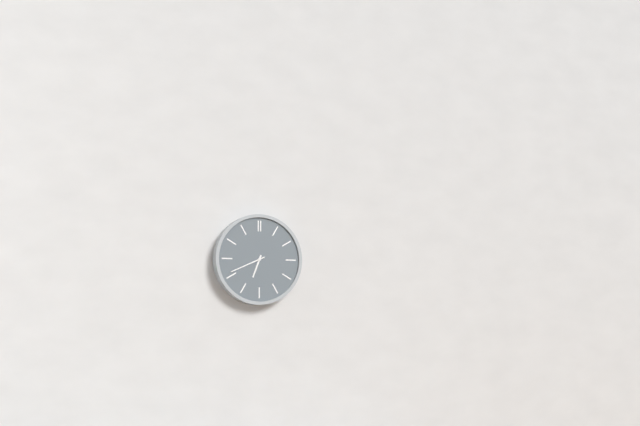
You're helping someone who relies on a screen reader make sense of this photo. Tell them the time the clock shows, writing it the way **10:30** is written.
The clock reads **6:41**
